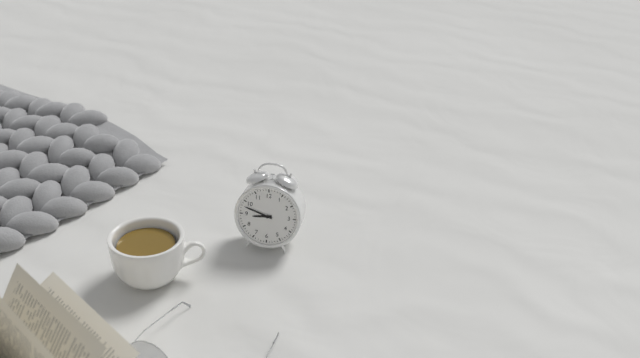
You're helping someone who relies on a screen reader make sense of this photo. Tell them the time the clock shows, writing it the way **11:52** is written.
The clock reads **8:48**
